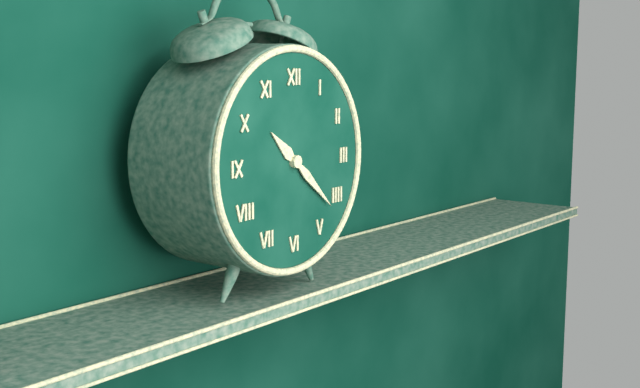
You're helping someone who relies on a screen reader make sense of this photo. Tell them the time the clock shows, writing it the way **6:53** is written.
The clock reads **10:22**
